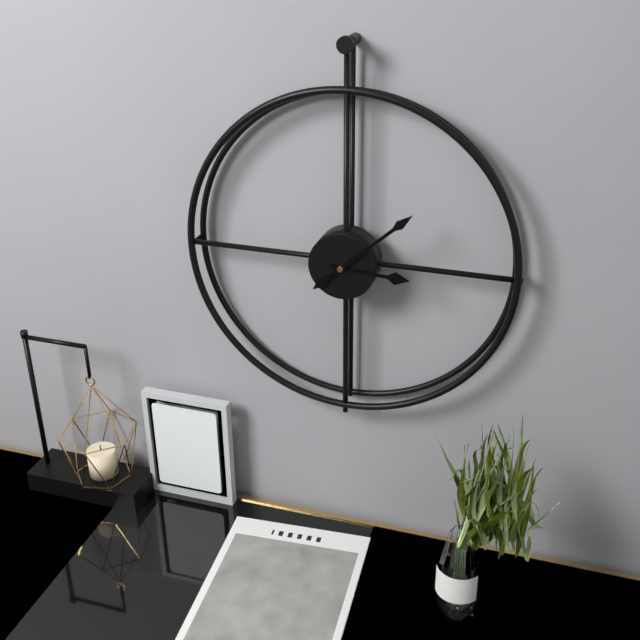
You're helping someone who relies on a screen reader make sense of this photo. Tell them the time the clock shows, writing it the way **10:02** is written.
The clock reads **3:08**
